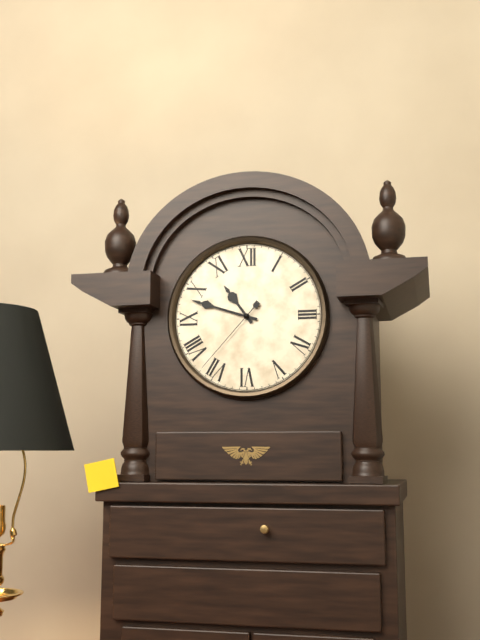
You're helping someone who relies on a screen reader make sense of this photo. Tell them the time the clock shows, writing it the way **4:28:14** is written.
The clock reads **10:48:37**
